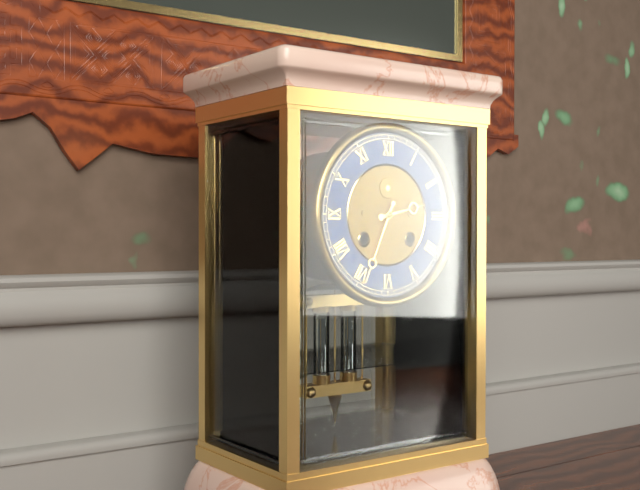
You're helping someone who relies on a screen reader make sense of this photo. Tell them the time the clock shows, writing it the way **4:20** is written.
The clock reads **2:34**
